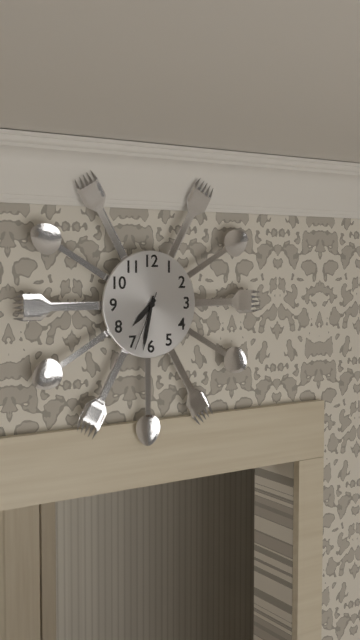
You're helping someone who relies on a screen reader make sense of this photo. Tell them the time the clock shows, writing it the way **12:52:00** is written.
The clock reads **7:32:34**
